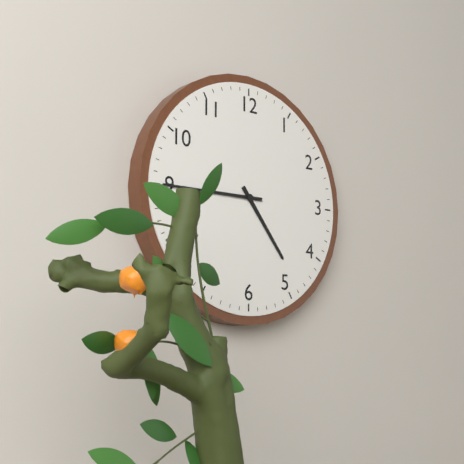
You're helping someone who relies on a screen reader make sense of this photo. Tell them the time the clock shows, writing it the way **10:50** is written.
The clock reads **4:45**
